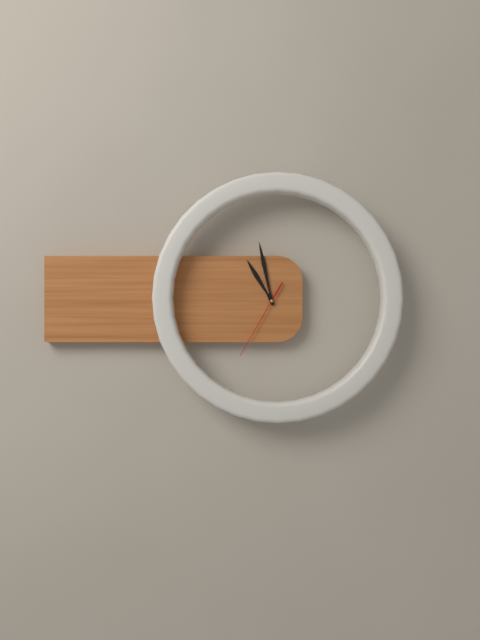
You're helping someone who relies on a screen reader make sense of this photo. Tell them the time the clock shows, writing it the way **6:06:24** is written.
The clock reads **10:58:35**
